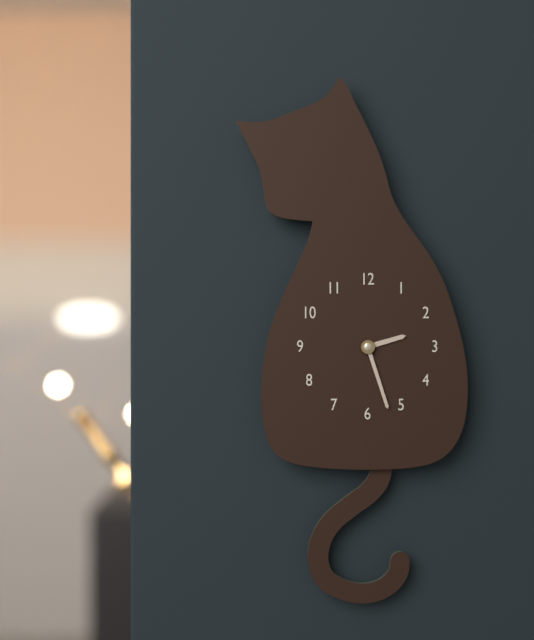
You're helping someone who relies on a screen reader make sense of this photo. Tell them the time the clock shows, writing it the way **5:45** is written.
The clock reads **2:27**
